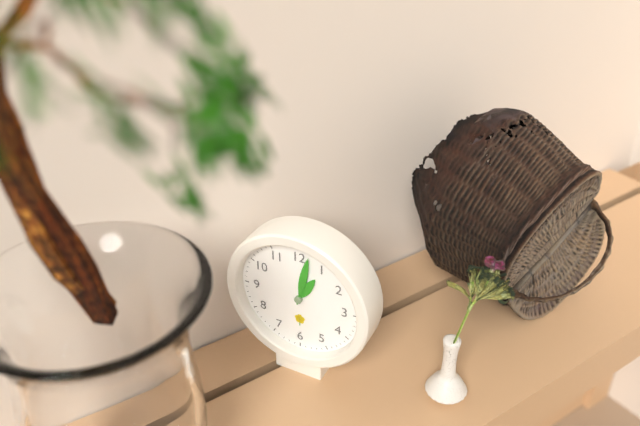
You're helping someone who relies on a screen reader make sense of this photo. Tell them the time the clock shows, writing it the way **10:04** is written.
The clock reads **1:02**
